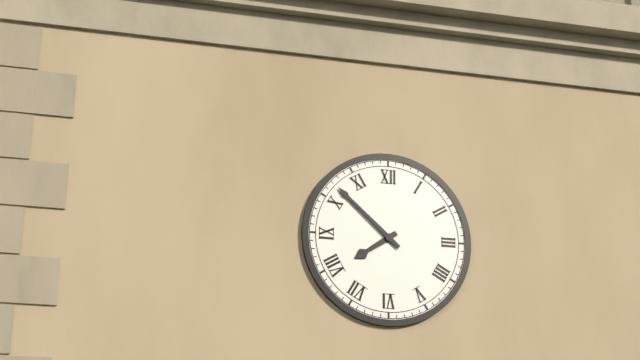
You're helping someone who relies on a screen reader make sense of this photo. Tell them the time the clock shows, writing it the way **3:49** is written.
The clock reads **7:52**
